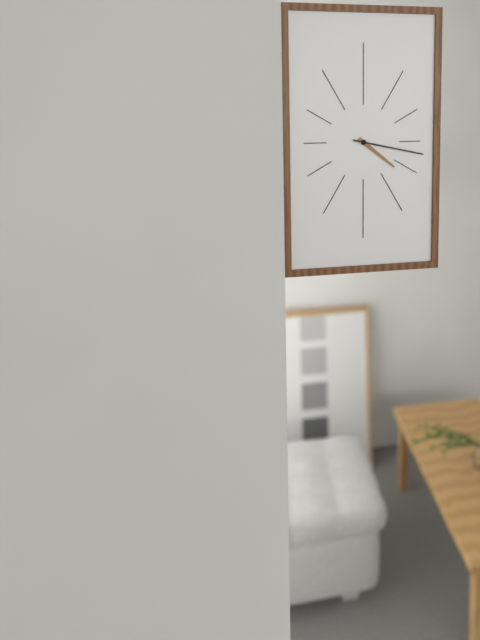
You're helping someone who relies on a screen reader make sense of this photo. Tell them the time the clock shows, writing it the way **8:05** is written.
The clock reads **4:17**
